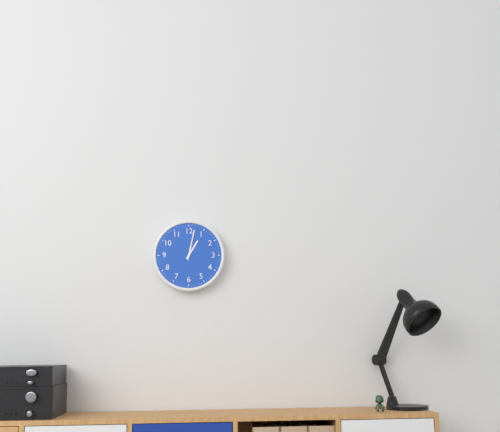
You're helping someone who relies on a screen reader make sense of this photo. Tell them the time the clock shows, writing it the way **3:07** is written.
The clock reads **1:02**
